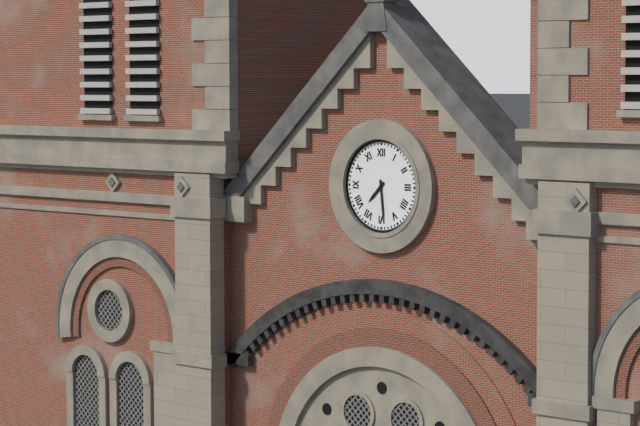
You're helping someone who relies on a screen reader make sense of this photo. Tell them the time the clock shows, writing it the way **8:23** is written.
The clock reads **7:29**
